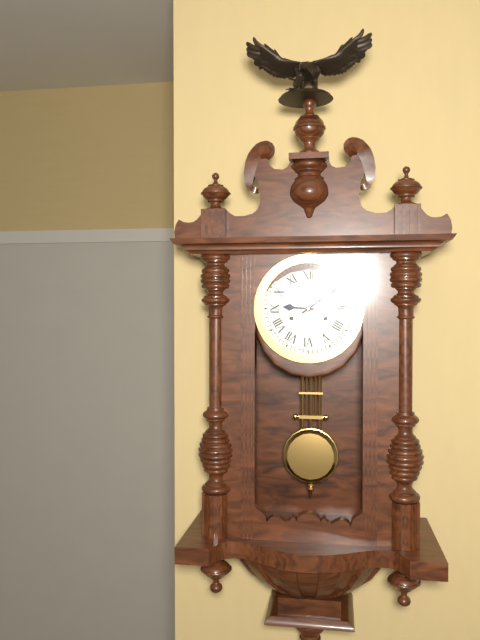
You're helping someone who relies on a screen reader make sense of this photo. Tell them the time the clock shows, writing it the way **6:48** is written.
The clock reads **9:09**
